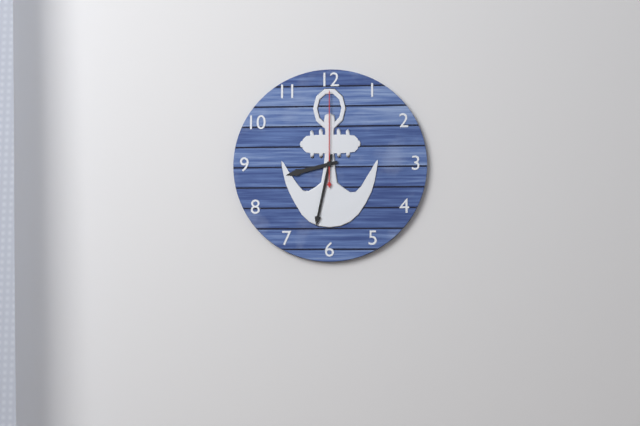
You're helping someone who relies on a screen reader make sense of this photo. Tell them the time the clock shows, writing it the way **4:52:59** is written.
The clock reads **8:32:00**
